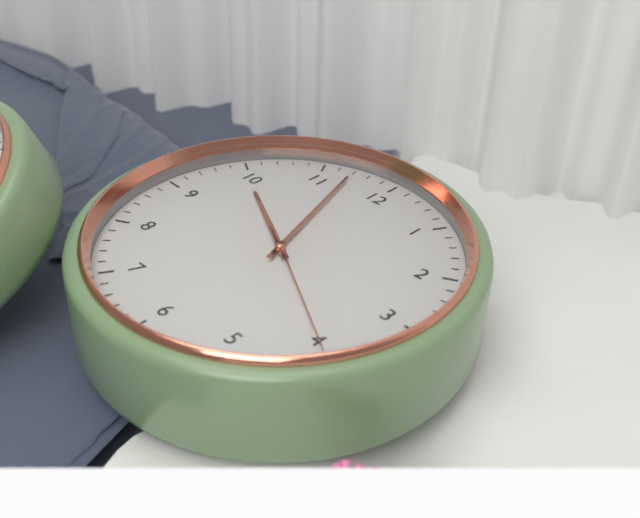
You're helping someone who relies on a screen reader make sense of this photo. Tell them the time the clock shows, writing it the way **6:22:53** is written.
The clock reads **9:57:20**
